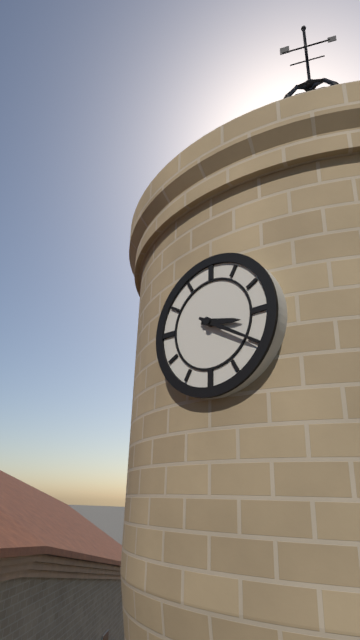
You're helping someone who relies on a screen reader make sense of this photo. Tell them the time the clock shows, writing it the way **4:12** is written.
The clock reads **3:20**
